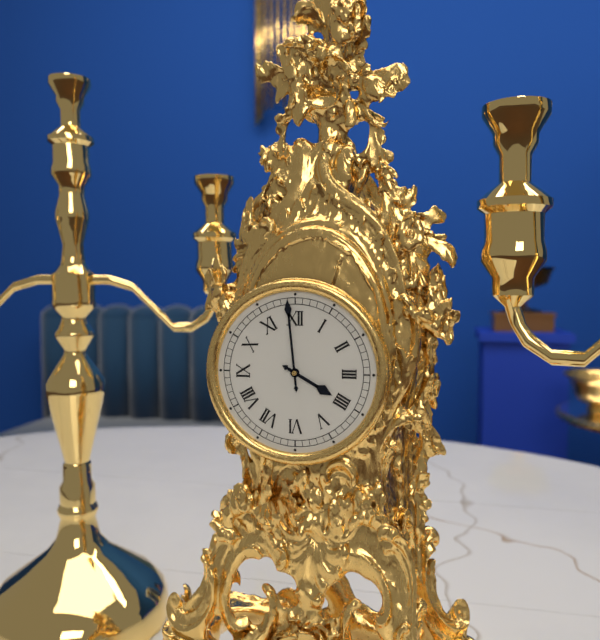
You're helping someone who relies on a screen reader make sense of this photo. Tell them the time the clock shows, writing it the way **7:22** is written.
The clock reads **3:59**
